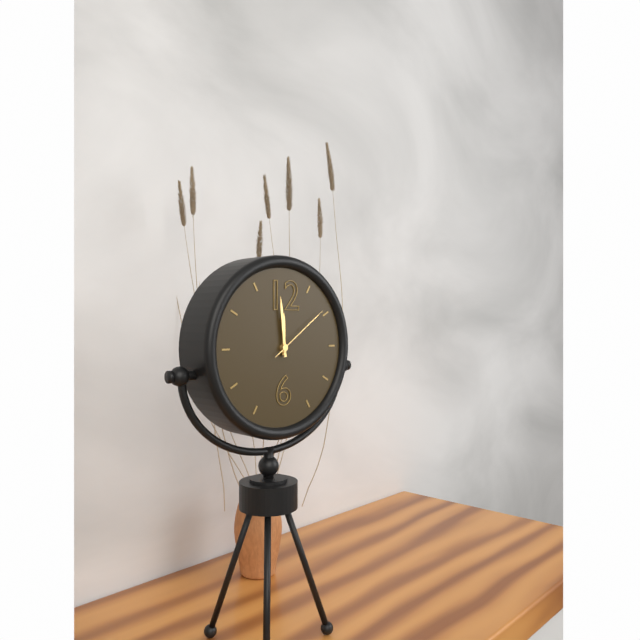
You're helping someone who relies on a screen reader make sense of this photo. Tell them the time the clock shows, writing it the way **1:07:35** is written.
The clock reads **11:59:09**
